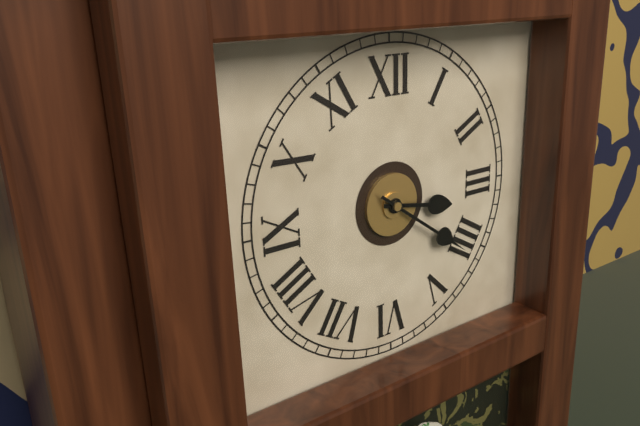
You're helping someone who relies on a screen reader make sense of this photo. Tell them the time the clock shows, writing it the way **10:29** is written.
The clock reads **3:21**
